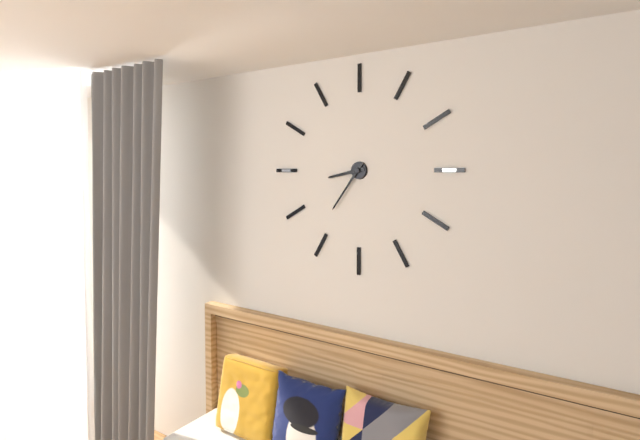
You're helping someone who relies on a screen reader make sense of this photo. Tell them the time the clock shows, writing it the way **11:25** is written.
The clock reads **8:36**
